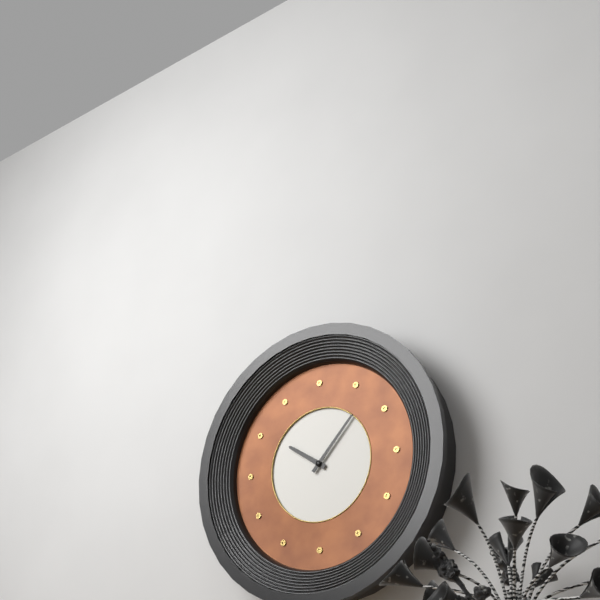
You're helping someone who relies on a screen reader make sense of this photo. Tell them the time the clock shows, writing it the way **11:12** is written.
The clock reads **10:07**
